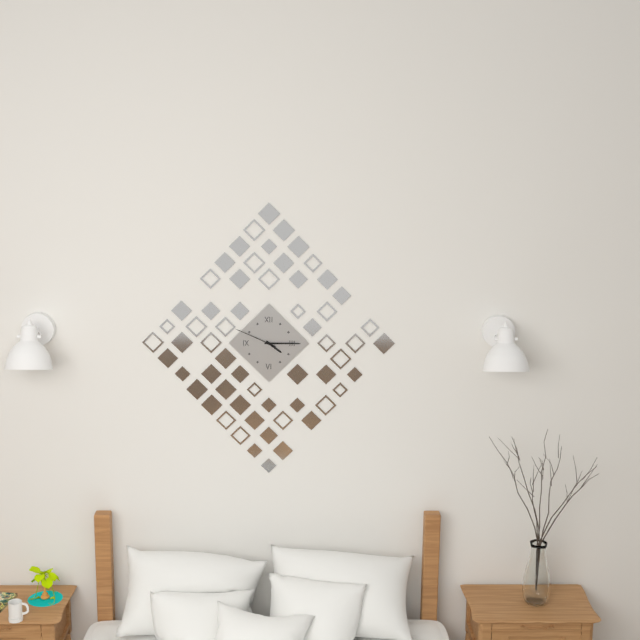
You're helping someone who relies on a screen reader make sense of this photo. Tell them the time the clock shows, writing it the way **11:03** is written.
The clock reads **4:15**
